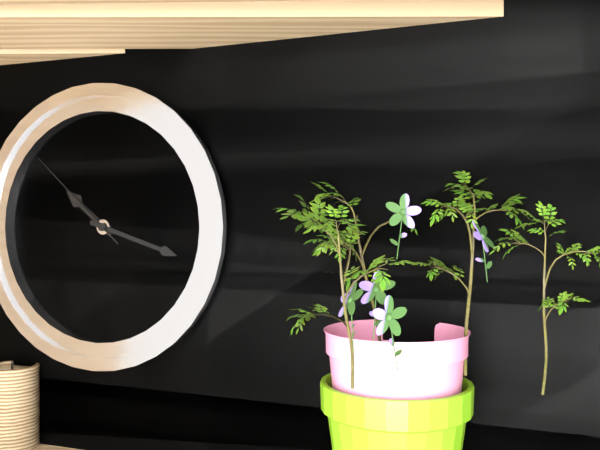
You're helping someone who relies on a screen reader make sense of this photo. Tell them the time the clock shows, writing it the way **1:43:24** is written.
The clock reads **10:18:52**
